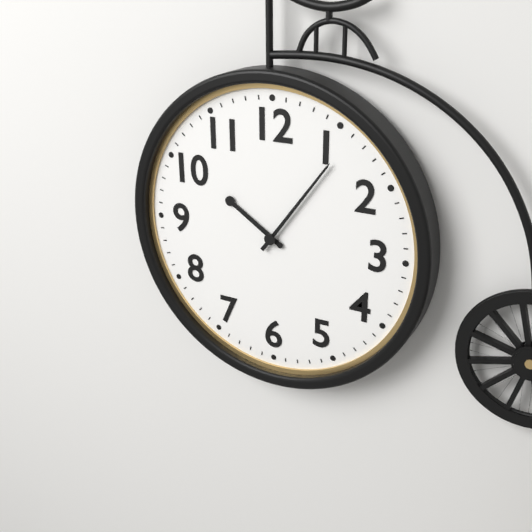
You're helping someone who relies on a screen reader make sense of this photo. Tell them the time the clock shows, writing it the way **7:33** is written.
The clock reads **10:06**
